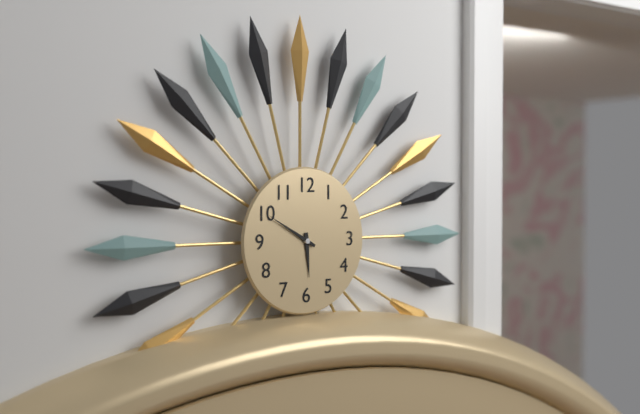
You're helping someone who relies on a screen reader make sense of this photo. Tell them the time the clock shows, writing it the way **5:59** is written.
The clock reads **5:50**
